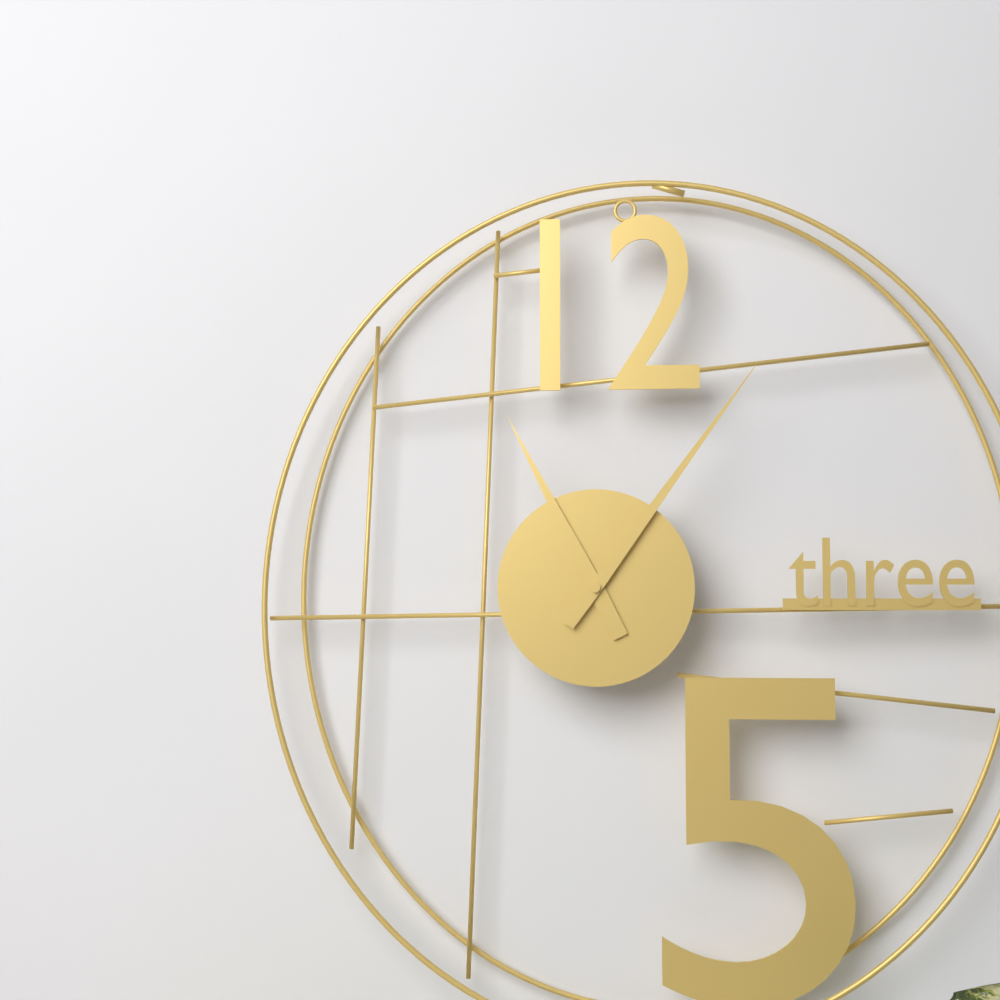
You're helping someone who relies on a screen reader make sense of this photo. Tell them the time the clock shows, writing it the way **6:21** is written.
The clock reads **11:06**
